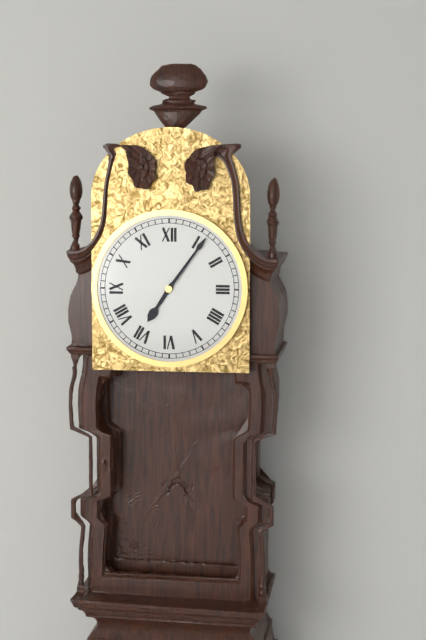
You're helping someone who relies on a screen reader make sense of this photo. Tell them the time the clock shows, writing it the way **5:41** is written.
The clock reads **7:06**
